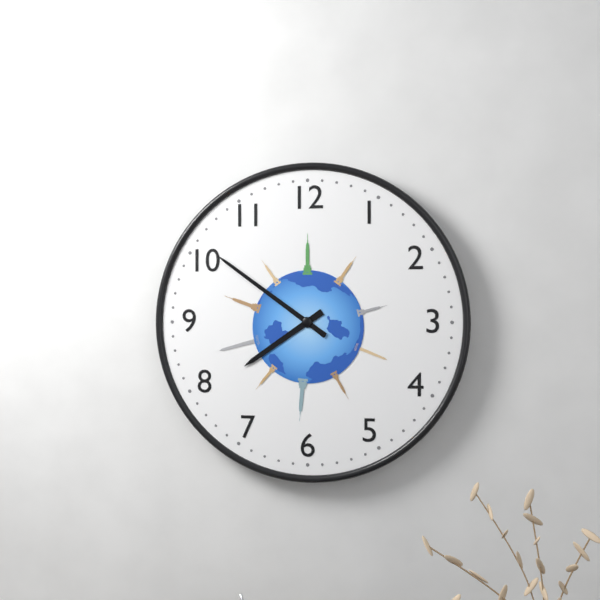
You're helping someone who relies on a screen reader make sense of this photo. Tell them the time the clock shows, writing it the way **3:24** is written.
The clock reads **7:51**
